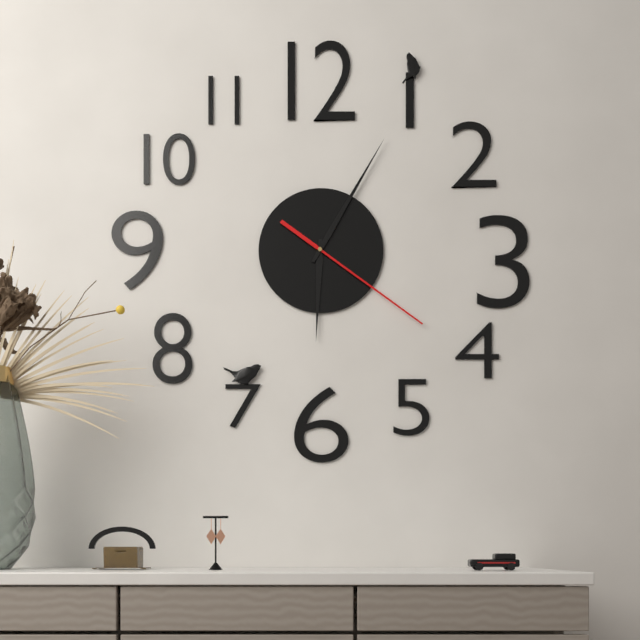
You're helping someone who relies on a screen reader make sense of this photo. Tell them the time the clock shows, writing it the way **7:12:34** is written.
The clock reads **6:05:21**
